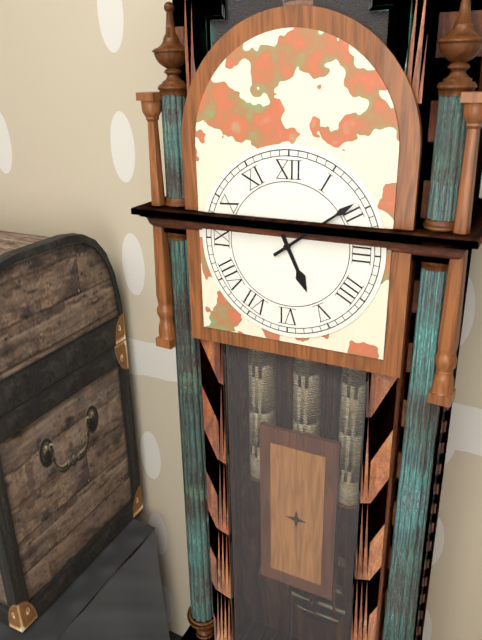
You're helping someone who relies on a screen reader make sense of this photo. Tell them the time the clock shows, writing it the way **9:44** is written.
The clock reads **5:09**
